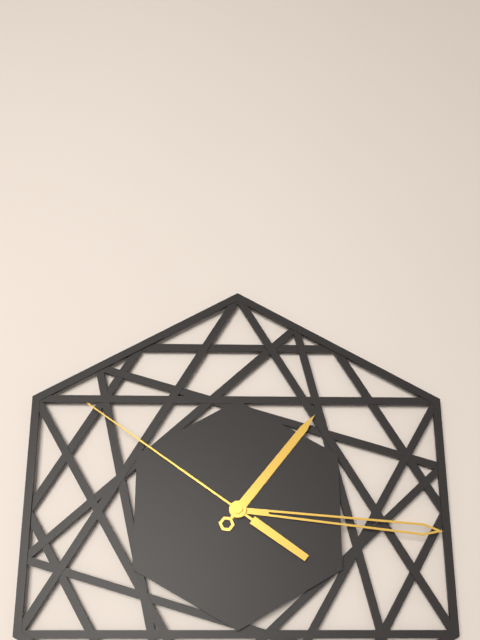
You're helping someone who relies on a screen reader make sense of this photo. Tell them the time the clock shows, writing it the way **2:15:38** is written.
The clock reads **1:16:51**
